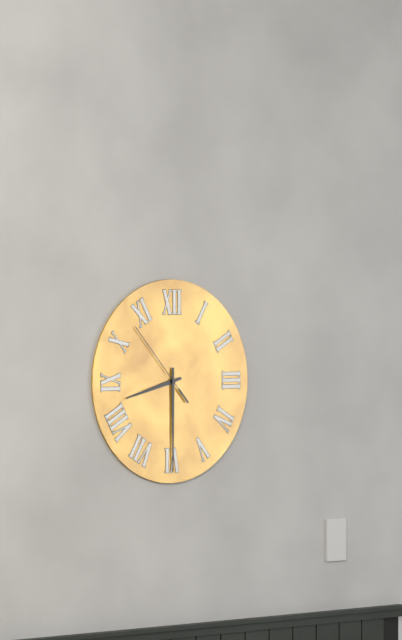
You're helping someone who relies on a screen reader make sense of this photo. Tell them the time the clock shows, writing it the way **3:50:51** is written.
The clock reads **8:30:53**
